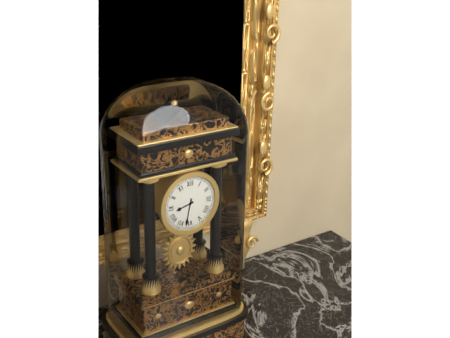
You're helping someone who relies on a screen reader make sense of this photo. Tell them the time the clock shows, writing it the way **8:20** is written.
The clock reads **8:32**
